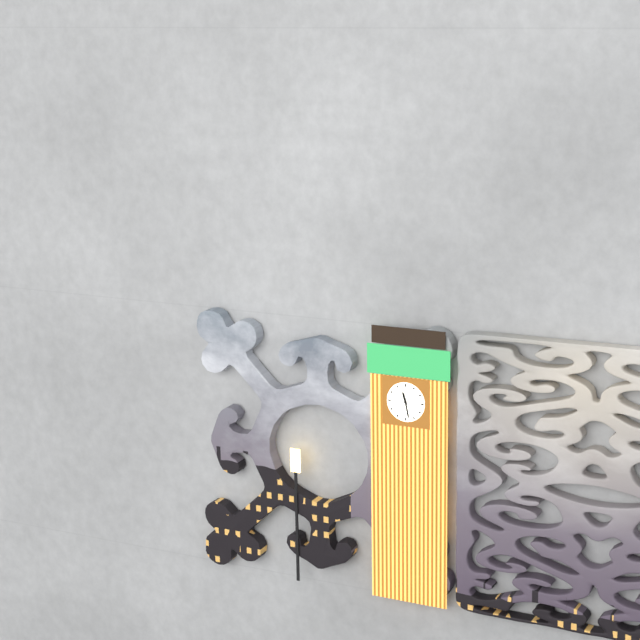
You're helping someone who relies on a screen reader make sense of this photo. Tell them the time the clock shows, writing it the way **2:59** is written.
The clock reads **11:28**
